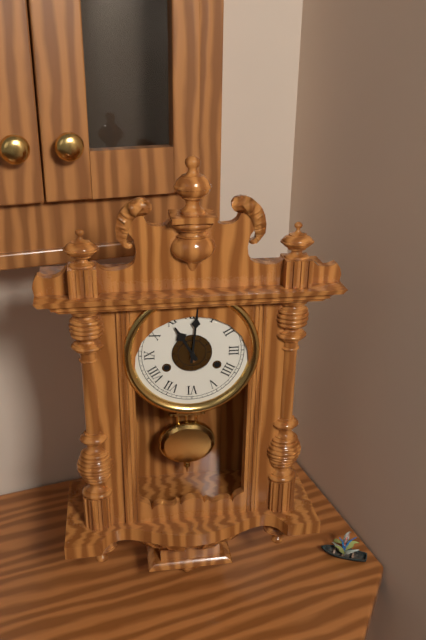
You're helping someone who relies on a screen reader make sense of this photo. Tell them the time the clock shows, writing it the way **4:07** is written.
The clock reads **11:01**
